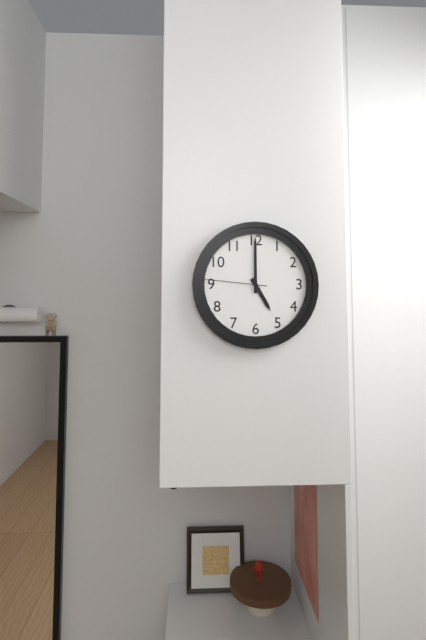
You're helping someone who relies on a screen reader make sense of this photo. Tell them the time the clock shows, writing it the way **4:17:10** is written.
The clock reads **5:00:46**
